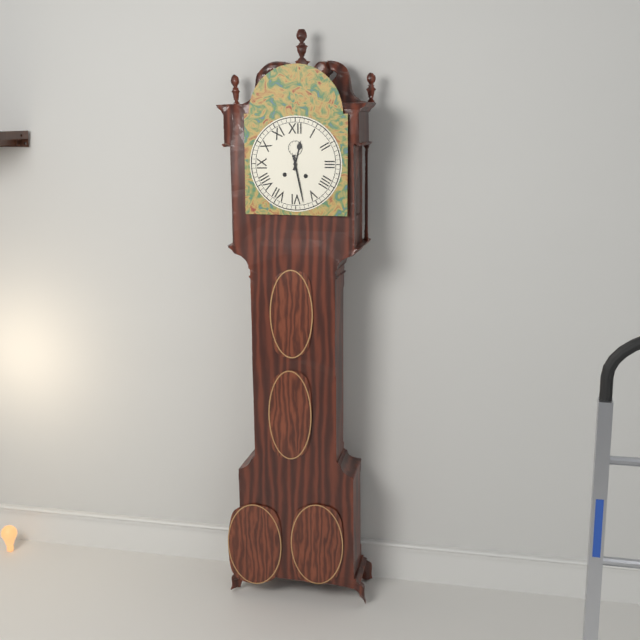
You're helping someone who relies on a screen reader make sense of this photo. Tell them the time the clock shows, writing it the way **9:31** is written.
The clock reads **12:28**
